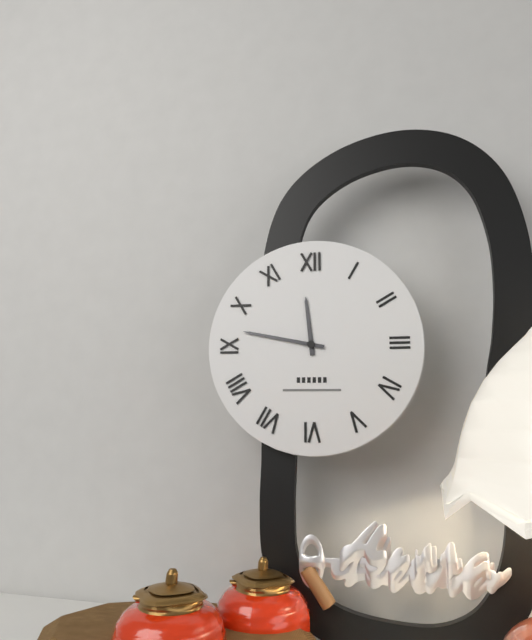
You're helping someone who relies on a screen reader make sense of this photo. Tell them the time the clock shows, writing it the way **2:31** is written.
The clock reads **11:47**
